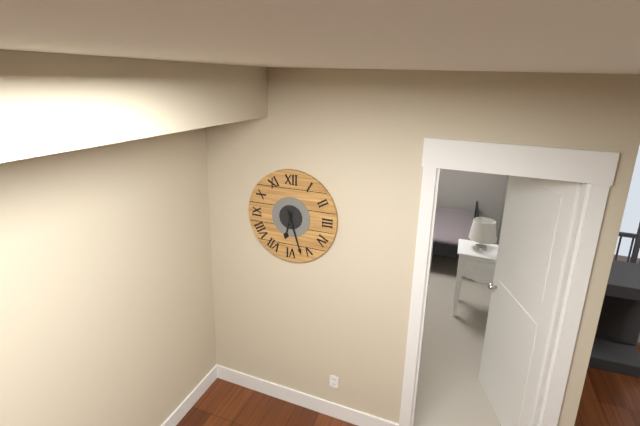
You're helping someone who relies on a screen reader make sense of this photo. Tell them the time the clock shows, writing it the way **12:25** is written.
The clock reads **6:27**
